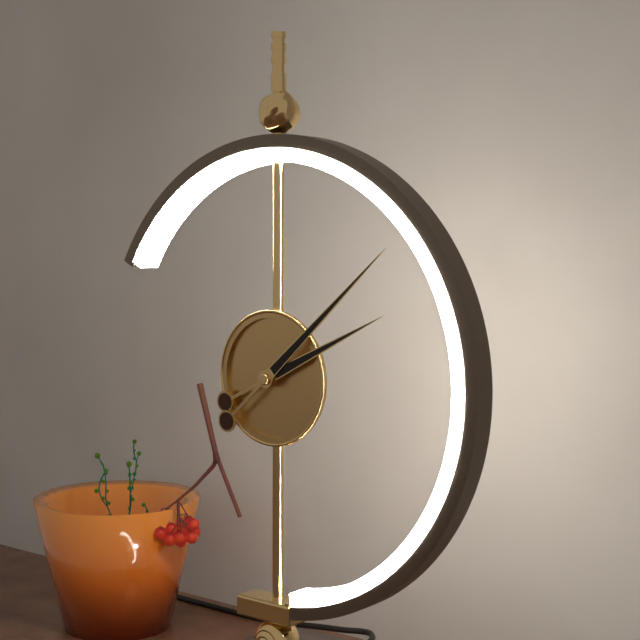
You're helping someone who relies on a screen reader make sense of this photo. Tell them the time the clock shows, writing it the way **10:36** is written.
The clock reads **2:08**
